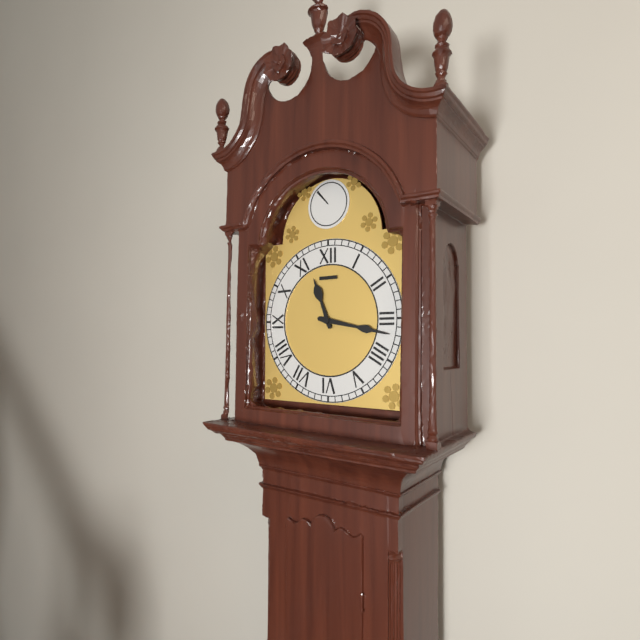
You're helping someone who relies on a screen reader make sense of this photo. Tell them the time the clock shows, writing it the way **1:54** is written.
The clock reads **11:17**
